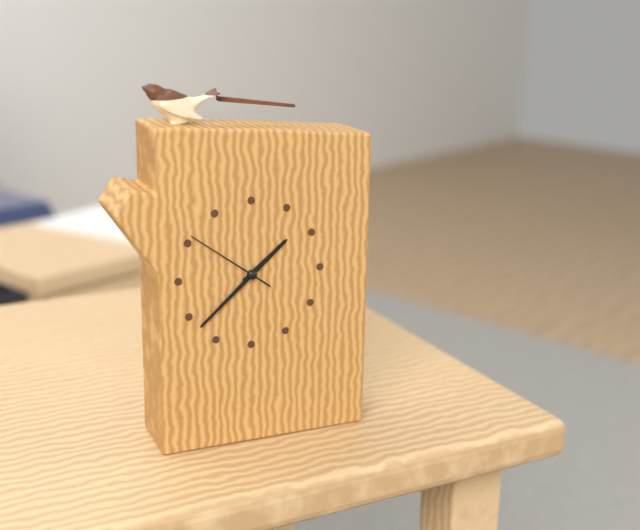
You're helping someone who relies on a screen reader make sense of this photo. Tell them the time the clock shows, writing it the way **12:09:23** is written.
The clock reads **1:38:51**
